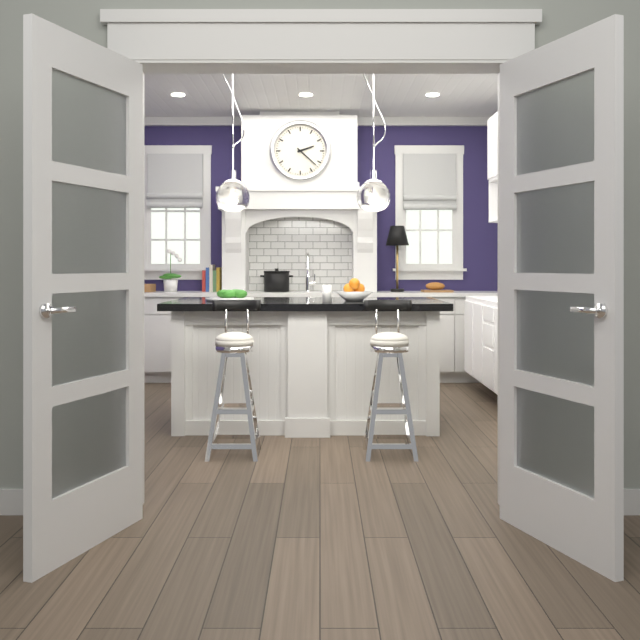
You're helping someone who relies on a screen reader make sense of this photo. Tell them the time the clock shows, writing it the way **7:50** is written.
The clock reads **2:22**
